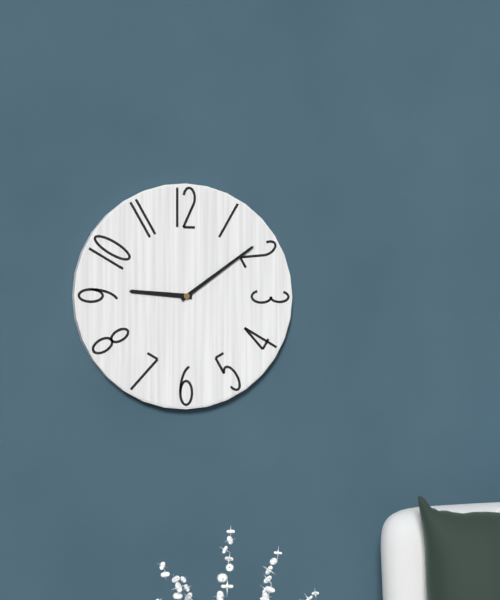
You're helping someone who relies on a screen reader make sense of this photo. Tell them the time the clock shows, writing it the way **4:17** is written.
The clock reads **9:09**
